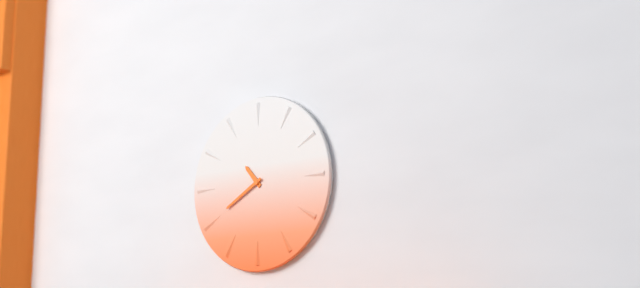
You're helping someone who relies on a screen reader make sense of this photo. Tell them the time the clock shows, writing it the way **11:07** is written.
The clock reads **10:40**
